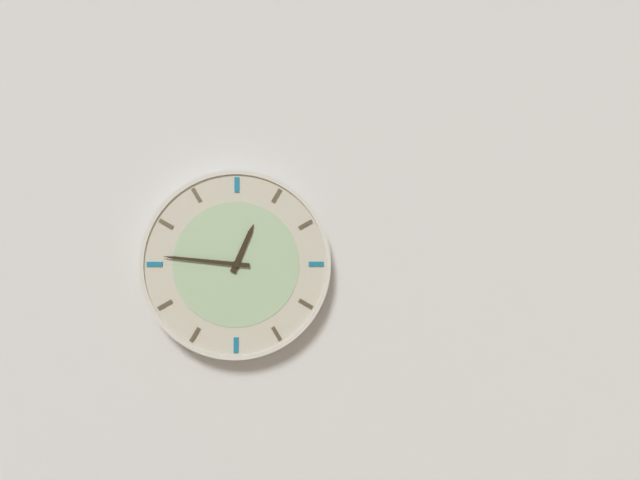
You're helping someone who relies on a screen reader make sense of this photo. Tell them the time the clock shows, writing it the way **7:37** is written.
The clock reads **12:46**
